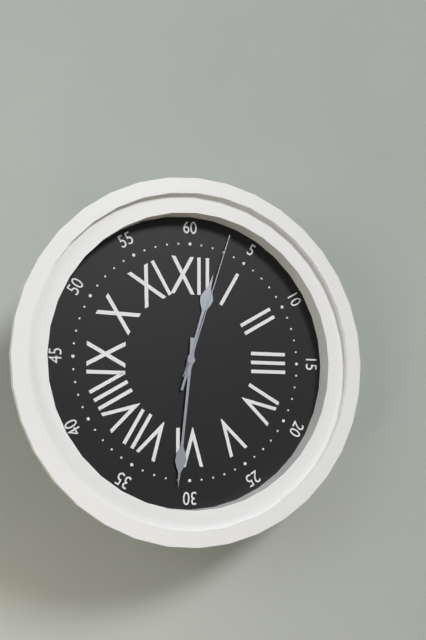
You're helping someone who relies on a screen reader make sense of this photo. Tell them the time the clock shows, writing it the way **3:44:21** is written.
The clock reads **12:31:03**
